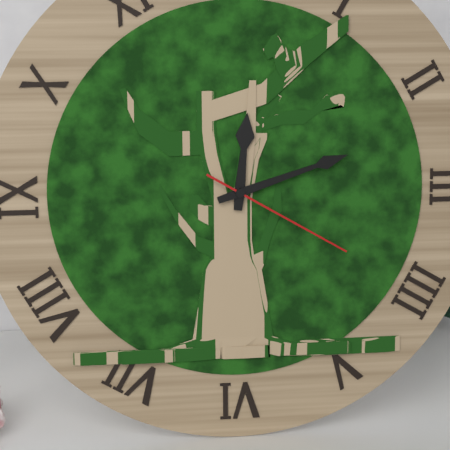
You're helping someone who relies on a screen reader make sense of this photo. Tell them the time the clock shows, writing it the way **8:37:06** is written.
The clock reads **12:12:20**
